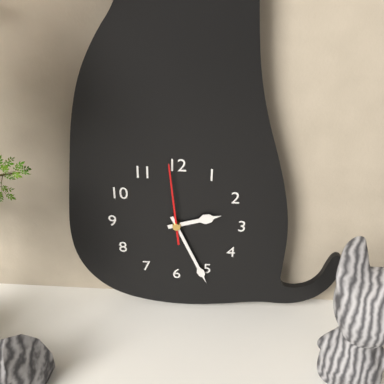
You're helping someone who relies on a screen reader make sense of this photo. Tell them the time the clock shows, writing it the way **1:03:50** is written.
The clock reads **2:26:59**
